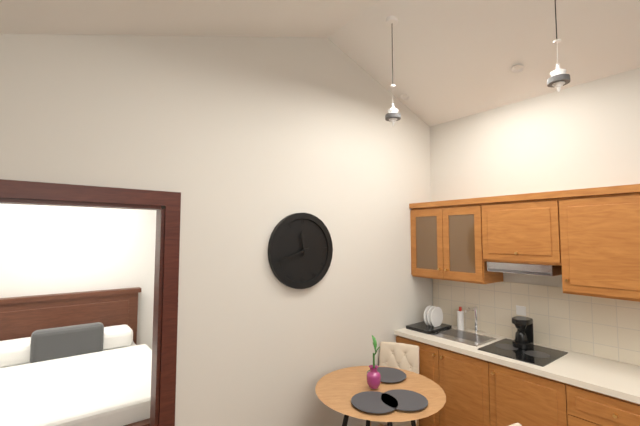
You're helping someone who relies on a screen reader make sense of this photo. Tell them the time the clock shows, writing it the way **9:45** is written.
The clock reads **11:42**
